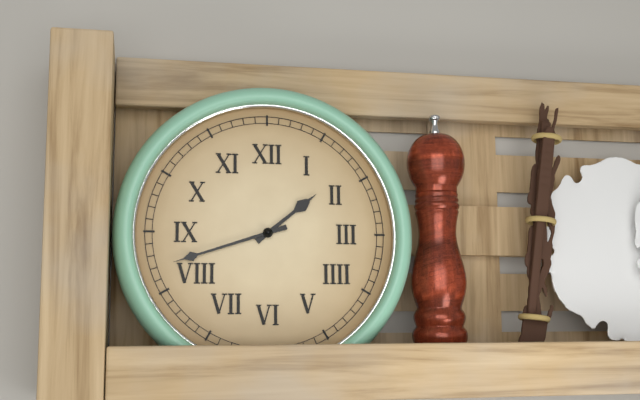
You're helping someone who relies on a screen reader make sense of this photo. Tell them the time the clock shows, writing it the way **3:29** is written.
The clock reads **1:42**
